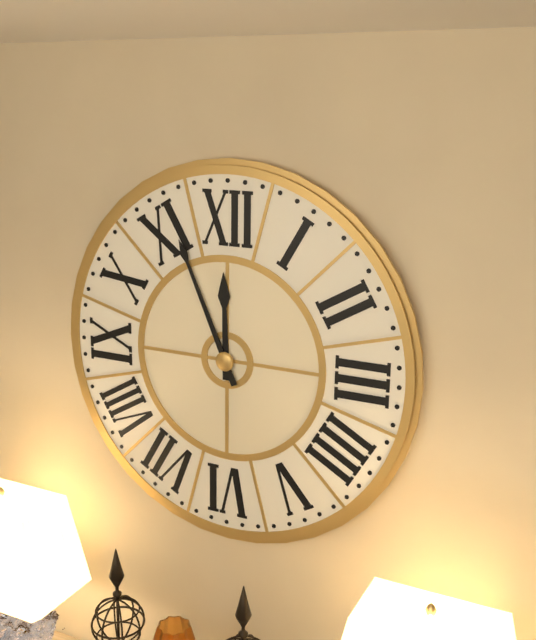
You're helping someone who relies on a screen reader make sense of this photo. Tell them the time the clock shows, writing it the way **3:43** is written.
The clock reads **11:56**
